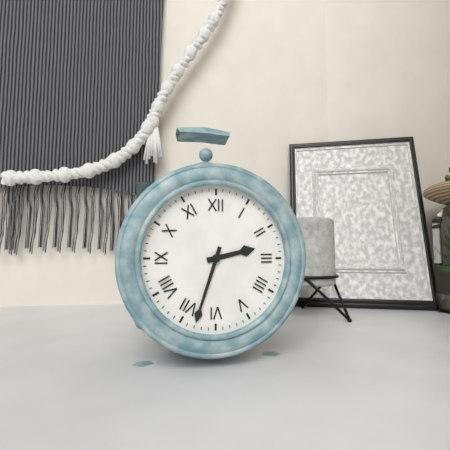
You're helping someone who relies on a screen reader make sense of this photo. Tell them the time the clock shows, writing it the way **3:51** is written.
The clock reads **2:33**
